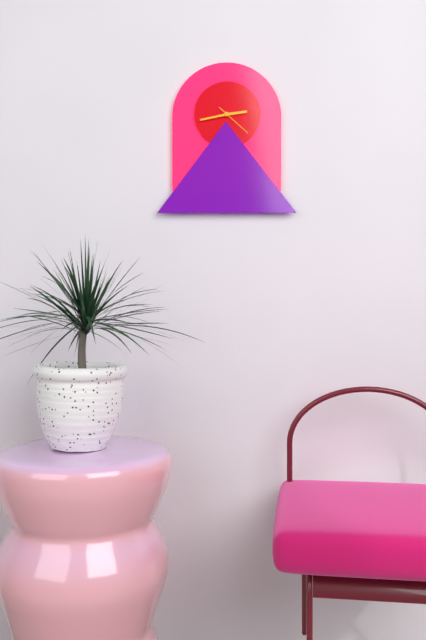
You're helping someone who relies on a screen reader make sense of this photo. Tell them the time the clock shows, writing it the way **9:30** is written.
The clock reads **2:43**
